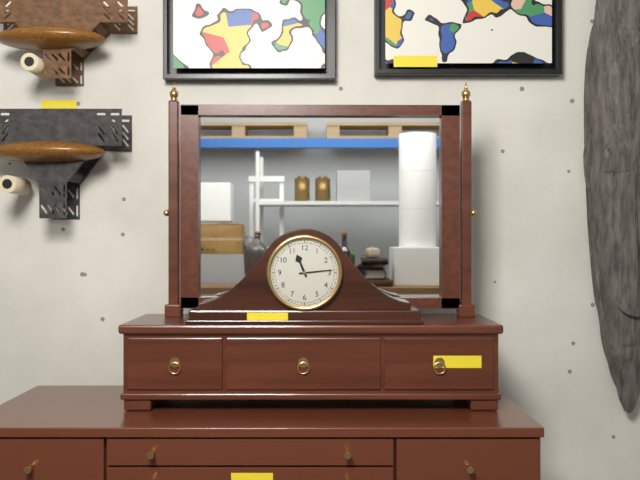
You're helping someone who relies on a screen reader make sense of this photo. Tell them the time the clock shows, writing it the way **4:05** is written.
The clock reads **11:14**
